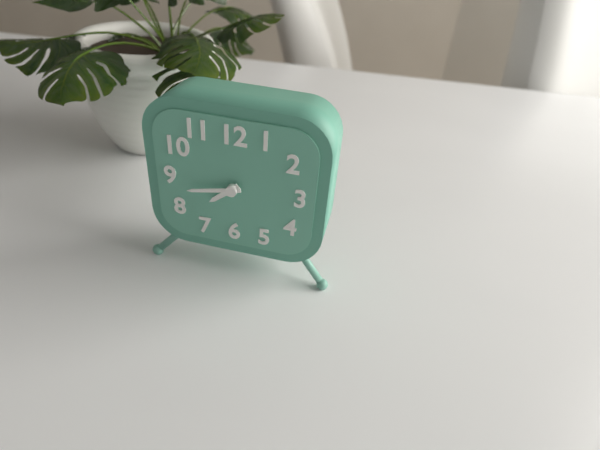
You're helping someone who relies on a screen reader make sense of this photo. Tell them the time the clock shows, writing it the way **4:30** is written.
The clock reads **7:43**
